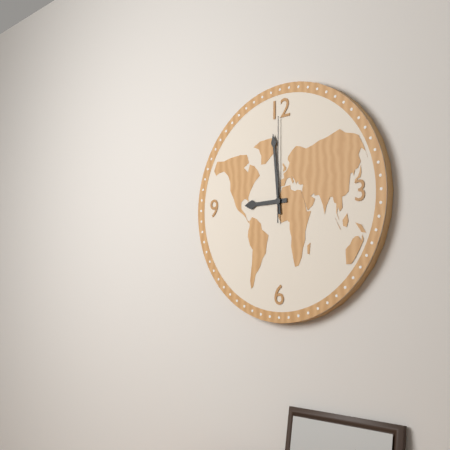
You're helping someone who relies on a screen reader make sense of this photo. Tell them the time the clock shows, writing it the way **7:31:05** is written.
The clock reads **8:59:00**
